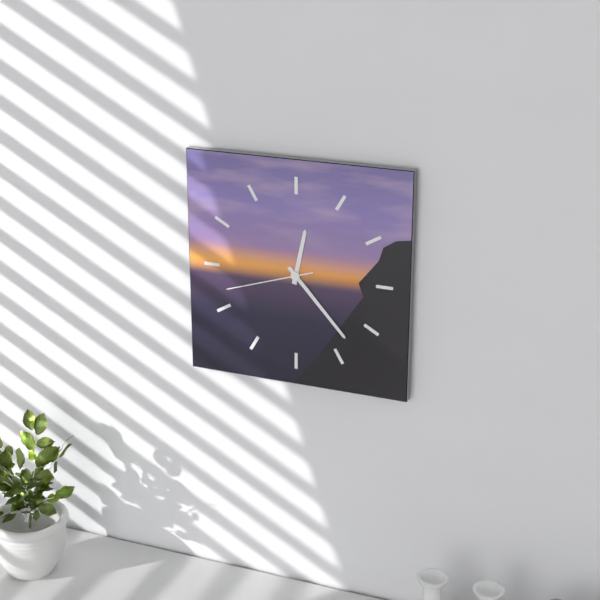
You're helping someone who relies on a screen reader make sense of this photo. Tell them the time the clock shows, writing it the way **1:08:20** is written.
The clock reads **12:23:42**
